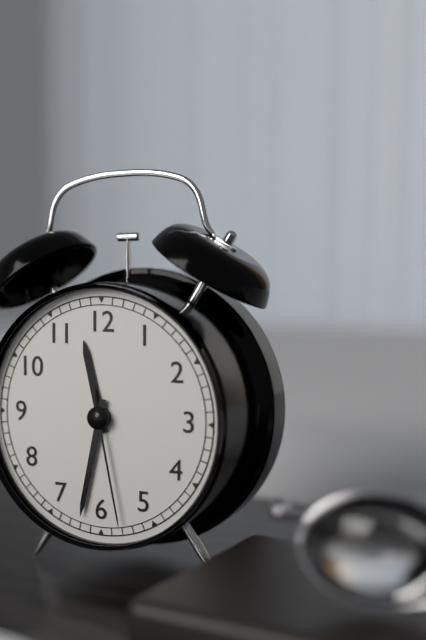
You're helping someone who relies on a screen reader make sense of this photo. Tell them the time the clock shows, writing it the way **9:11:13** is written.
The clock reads **11:32:28**
